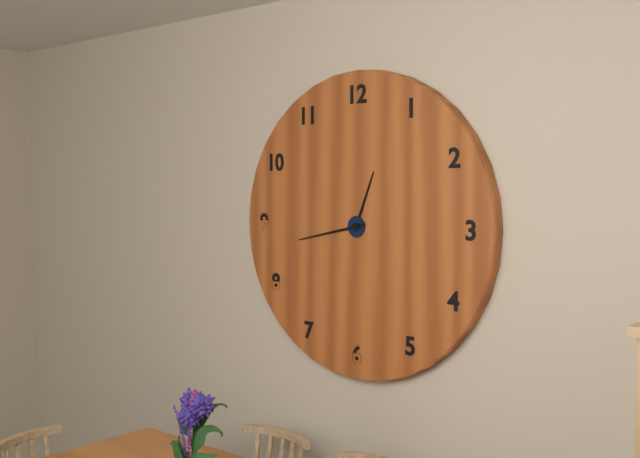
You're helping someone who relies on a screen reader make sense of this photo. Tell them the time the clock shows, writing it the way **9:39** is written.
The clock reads **12:43**
